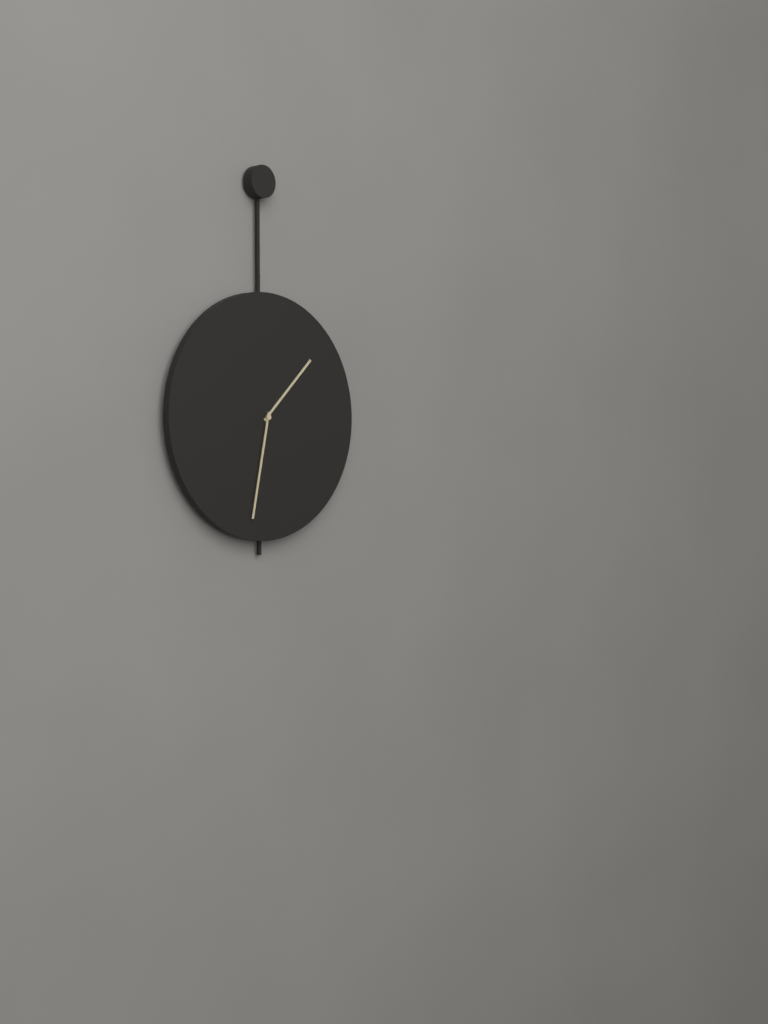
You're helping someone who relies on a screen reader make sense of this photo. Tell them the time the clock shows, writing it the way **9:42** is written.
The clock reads **1:32**
